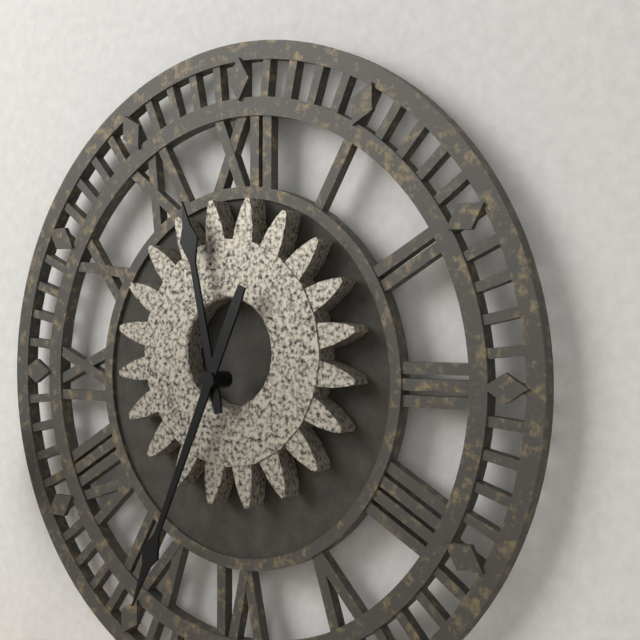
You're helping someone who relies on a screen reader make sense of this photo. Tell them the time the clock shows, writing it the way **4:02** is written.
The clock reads **11:34**
